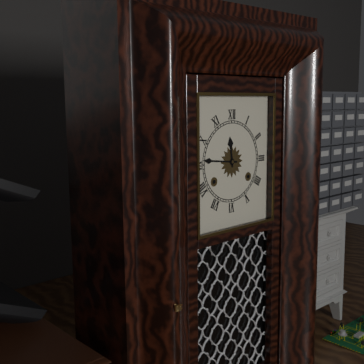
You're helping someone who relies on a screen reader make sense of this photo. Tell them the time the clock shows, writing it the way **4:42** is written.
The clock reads **11:46**
